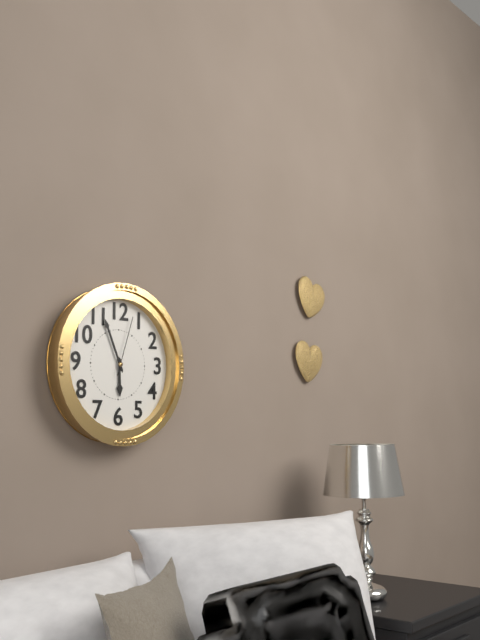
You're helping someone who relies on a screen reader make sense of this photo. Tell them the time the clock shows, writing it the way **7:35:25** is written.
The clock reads **5:56:03**
